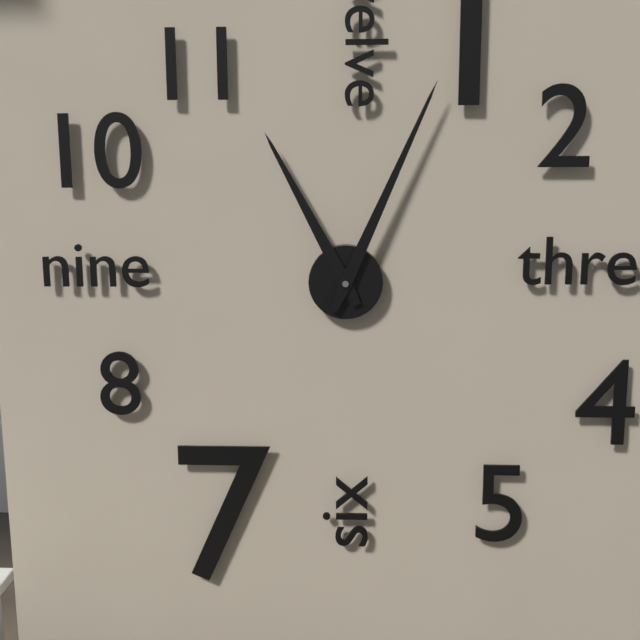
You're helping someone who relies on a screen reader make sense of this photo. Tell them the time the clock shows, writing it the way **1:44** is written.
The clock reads **11:04**
